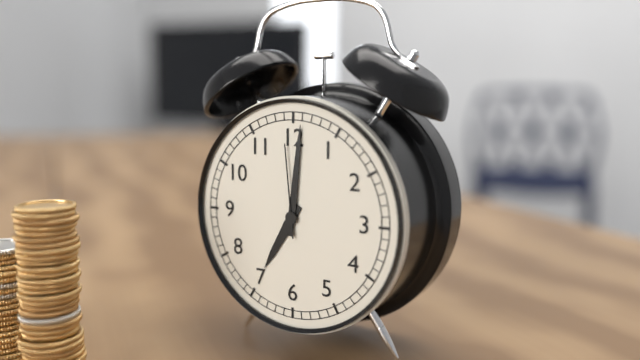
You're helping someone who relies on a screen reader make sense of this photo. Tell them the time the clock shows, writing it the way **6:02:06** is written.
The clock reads **7:01:59**
